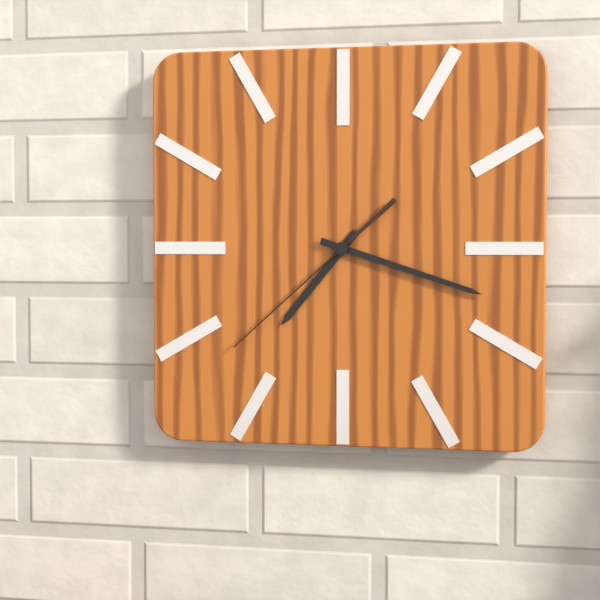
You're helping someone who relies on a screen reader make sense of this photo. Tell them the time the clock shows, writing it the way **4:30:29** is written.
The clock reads **7:18:38**
